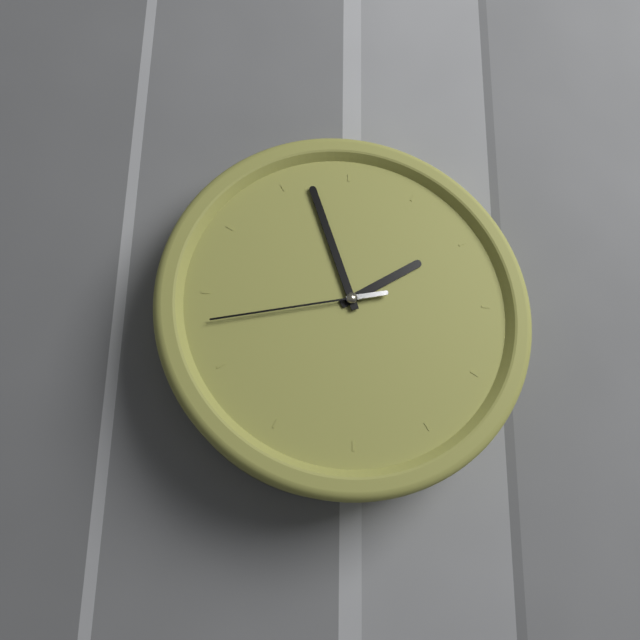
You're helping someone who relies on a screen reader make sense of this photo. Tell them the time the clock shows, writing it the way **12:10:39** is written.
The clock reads **1:57:43**
